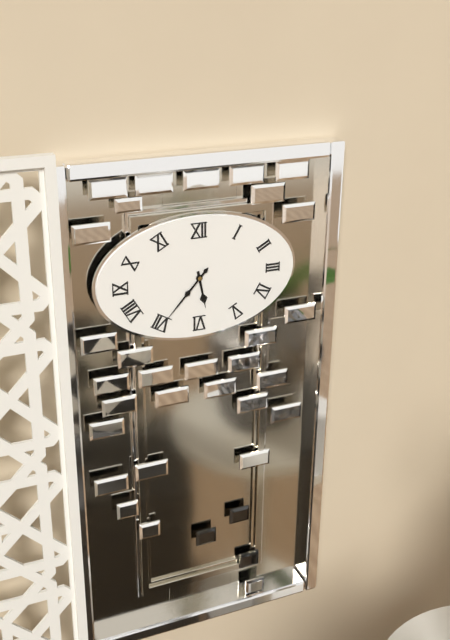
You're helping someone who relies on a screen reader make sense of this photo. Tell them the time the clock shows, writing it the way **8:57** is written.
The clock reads **5:37**
